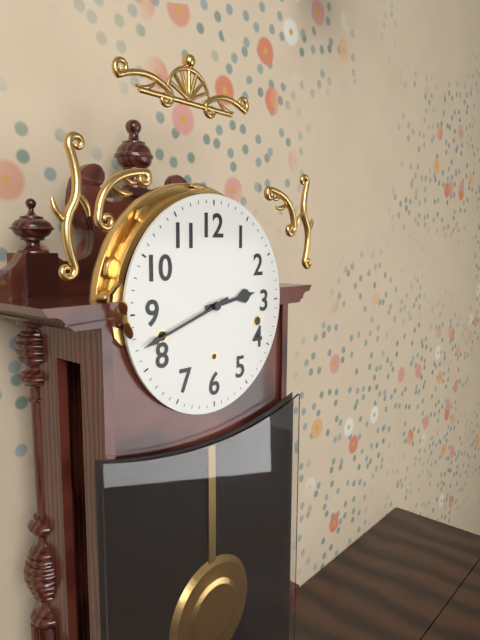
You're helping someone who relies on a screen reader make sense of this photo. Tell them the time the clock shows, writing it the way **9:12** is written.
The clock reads **2:42**
